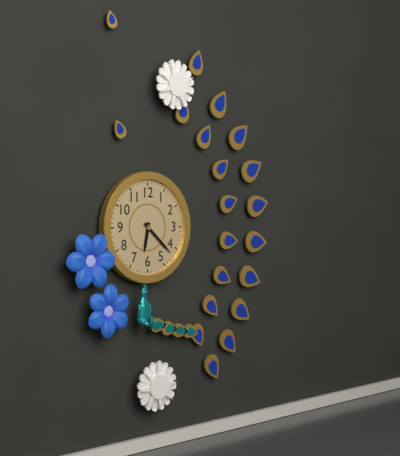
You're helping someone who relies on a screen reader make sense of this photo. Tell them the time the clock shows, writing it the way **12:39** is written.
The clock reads **6:22**
